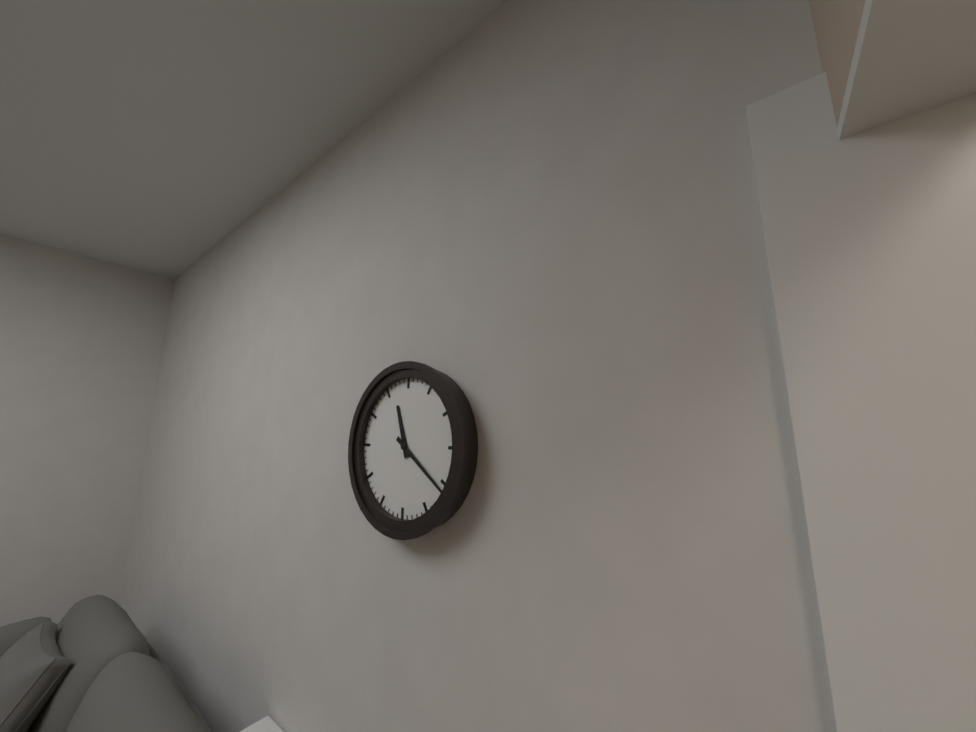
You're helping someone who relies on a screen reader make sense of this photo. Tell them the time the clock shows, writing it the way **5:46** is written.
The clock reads **11:21**
